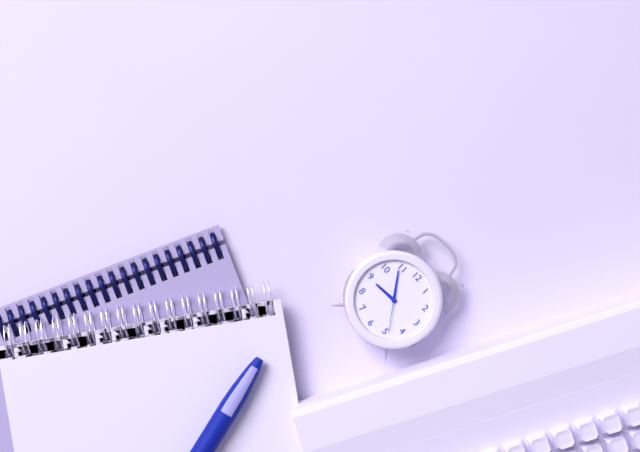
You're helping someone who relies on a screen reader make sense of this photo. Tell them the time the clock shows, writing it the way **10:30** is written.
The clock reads **8:54**
